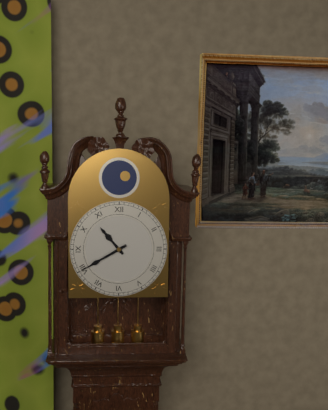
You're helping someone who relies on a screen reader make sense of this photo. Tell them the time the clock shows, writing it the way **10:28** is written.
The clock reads **10:40**
